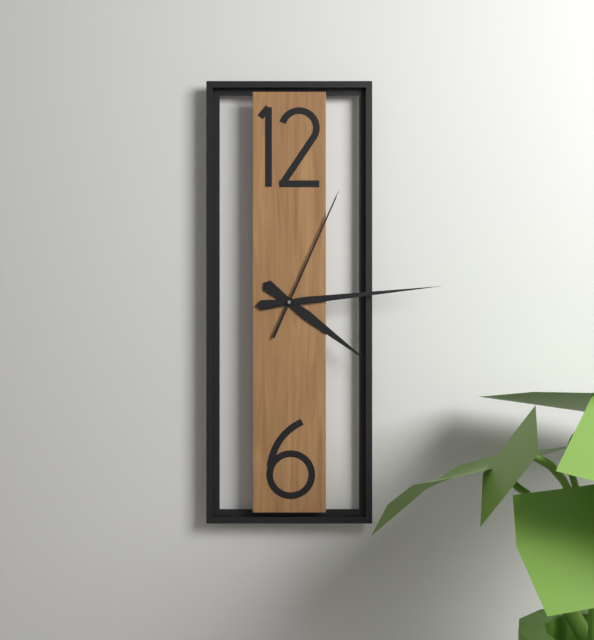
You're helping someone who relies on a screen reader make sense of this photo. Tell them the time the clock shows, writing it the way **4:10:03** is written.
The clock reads **4:14:04**
